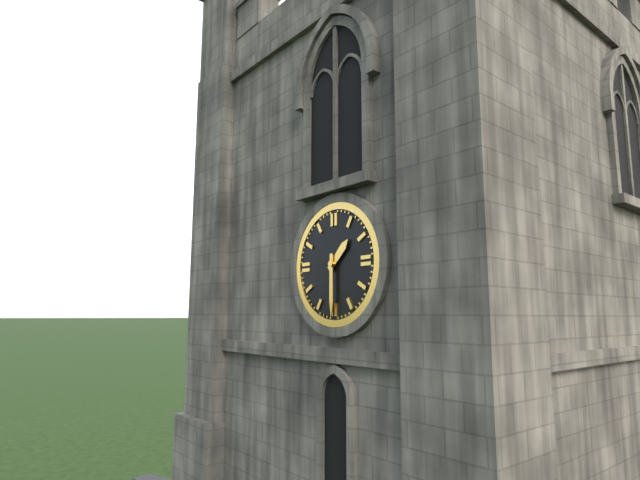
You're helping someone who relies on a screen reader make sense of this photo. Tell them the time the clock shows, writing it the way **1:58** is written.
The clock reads **1:30**
